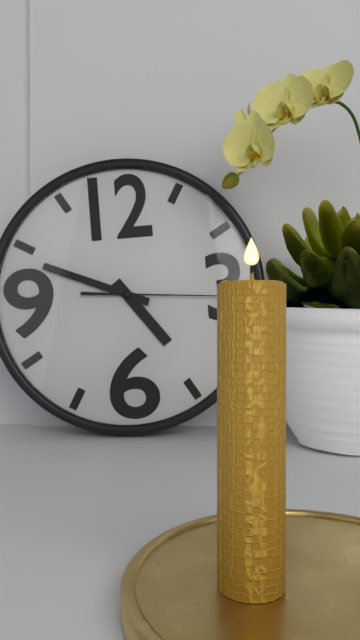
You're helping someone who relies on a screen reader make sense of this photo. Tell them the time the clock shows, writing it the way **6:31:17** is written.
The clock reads **4:49:16**
